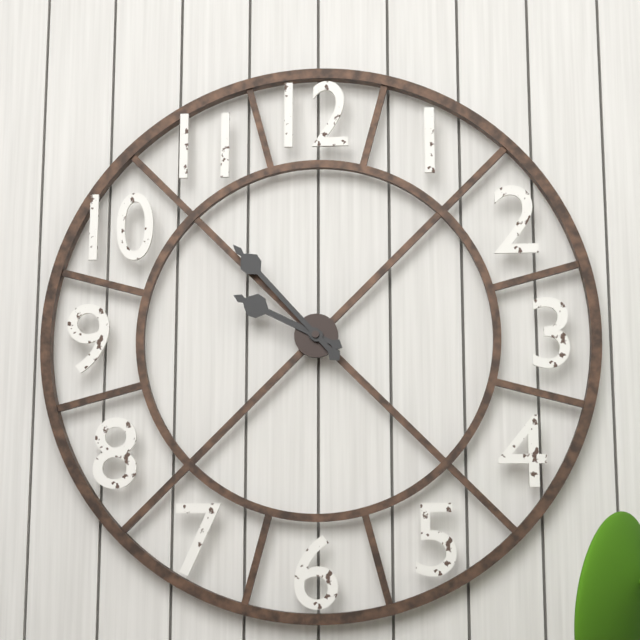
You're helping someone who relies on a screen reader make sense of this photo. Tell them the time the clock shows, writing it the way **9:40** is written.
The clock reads **9:53**
